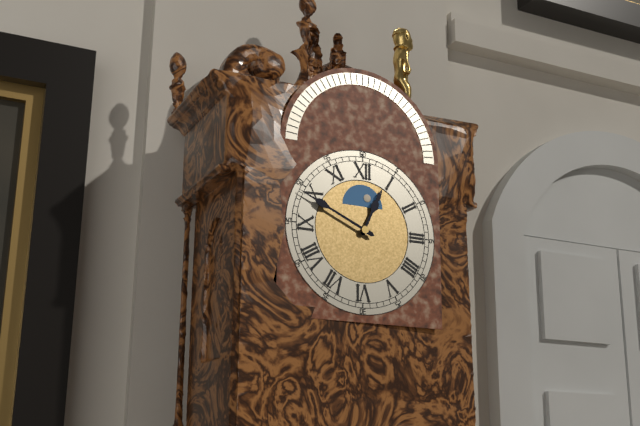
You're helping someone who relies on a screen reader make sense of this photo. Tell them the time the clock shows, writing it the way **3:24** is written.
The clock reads **12:49**
